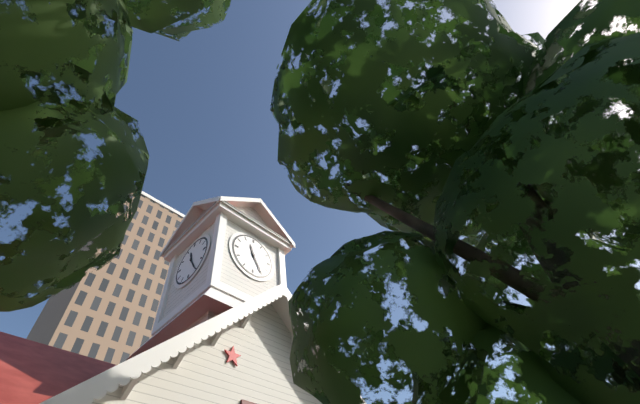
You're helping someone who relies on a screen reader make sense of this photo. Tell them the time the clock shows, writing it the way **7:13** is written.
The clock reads **11:25**
